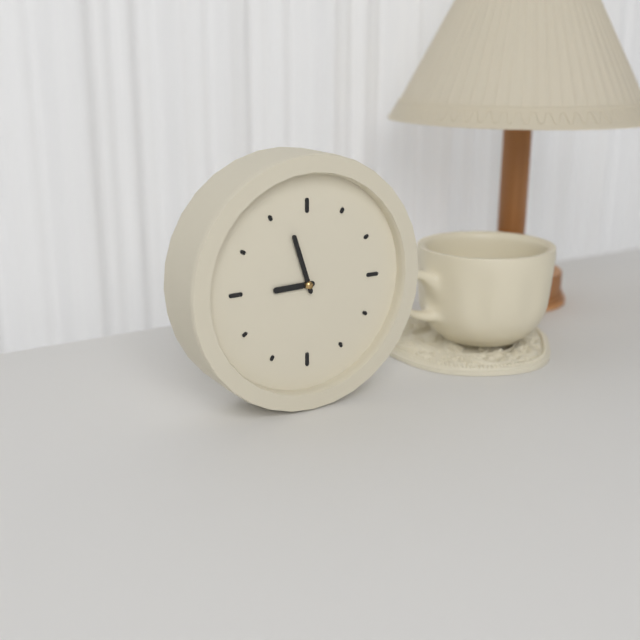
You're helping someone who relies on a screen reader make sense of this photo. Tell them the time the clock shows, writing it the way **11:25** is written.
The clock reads **8:57**
